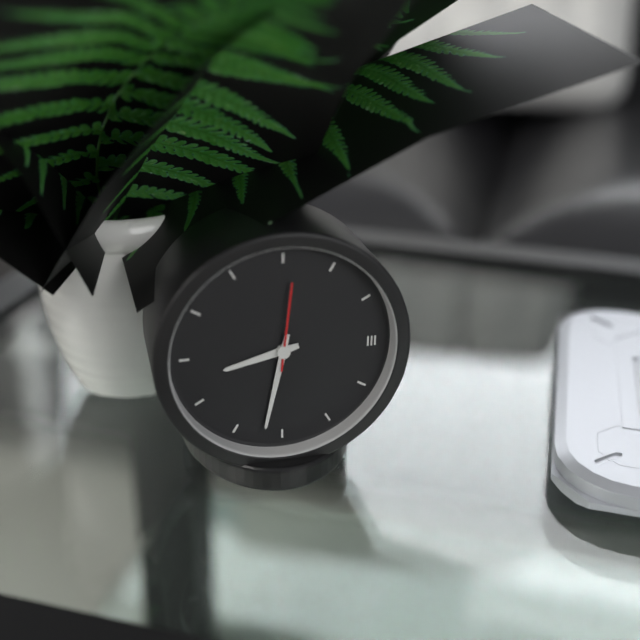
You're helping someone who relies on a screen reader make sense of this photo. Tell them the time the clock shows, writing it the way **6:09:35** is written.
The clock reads **8:32:01**
